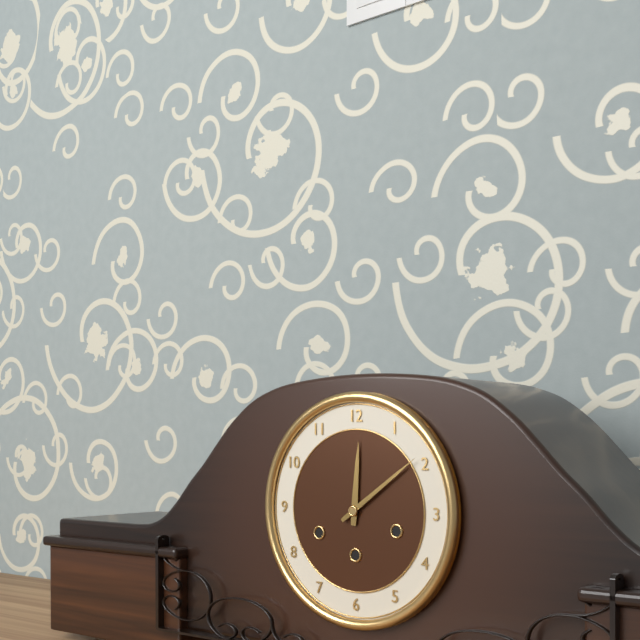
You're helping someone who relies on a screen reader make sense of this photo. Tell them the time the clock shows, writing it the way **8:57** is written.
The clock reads **12:09**
